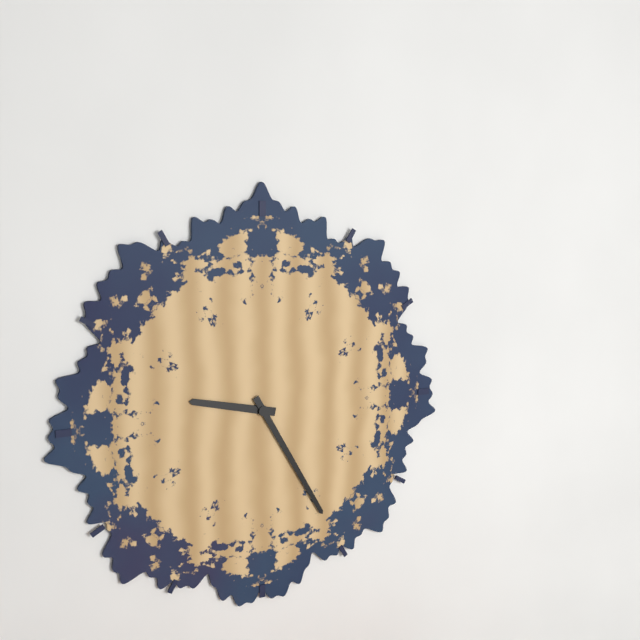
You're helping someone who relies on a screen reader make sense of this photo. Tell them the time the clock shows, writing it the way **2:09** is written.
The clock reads **9:25**
